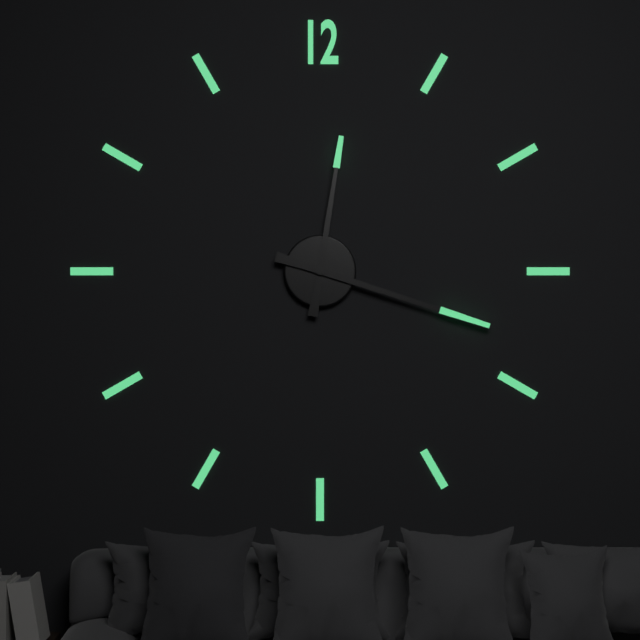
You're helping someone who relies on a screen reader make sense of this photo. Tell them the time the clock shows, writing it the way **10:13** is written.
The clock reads **12:18**
